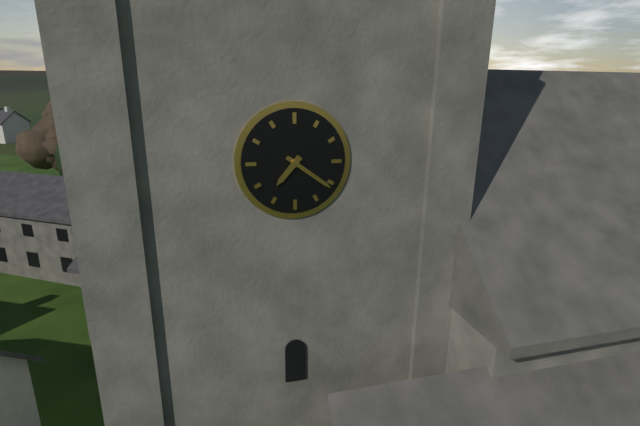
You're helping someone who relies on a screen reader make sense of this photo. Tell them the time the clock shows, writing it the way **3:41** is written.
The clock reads **7:21**
